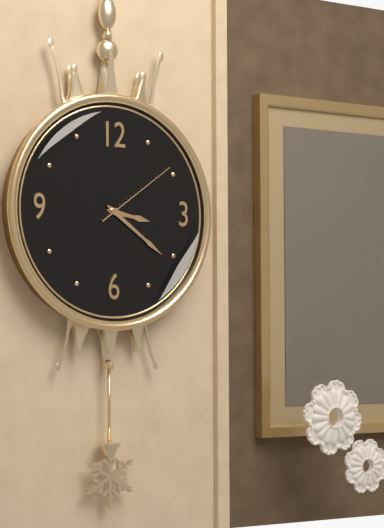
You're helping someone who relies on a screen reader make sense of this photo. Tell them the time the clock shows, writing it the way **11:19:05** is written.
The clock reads **3:21:09**
